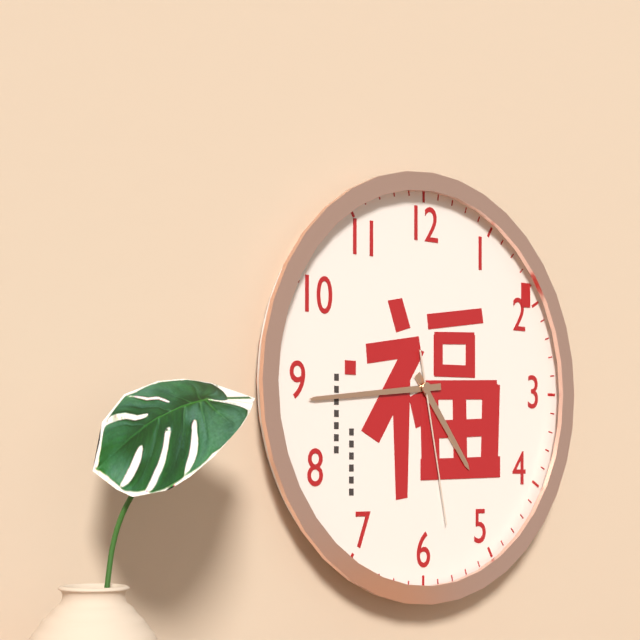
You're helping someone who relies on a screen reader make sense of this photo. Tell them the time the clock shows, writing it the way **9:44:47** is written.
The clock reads **4:44:28**
